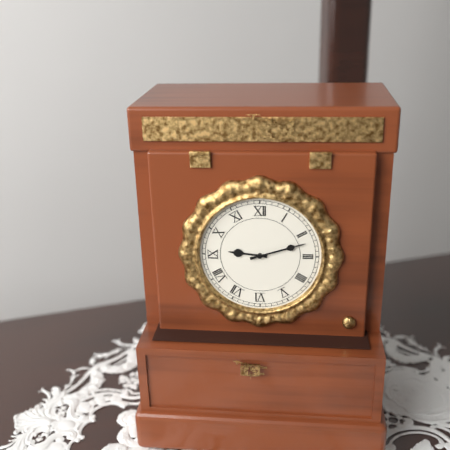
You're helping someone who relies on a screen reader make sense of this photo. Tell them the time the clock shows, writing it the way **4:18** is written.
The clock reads **9:12**
